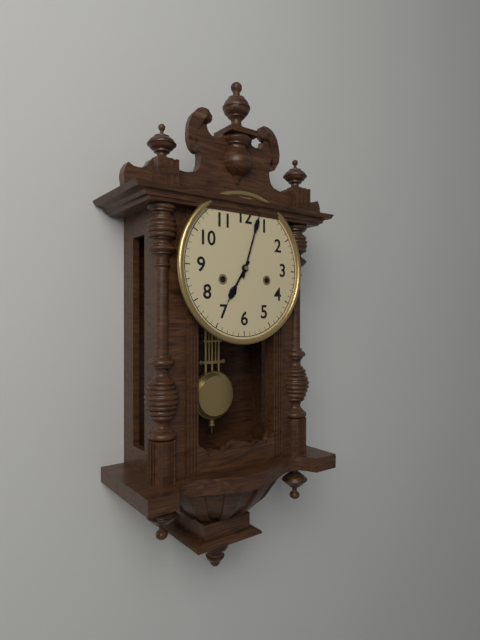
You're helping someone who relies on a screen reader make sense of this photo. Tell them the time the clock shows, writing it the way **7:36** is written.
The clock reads **7:03**
